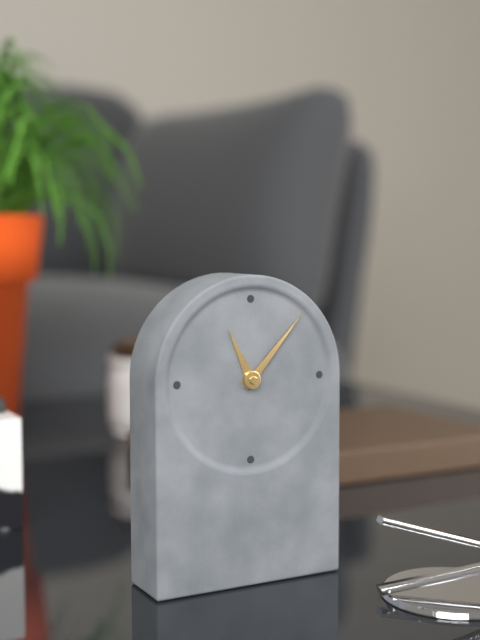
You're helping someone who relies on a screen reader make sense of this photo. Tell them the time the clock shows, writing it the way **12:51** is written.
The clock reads **11:07**
